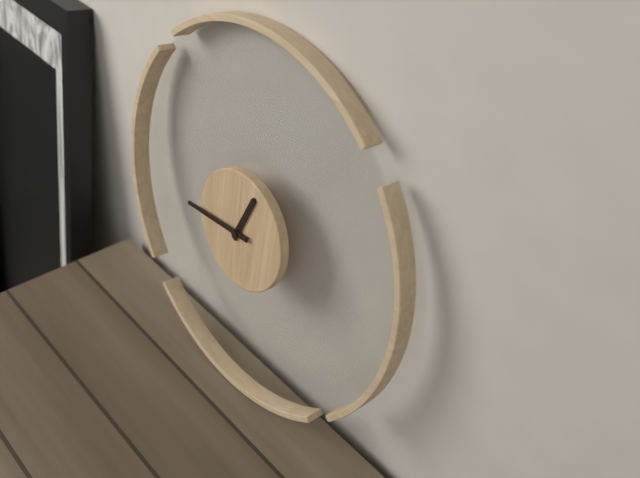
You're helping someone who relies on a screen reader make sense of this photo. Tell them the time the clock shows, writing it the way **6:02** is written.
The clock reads **12:44**
